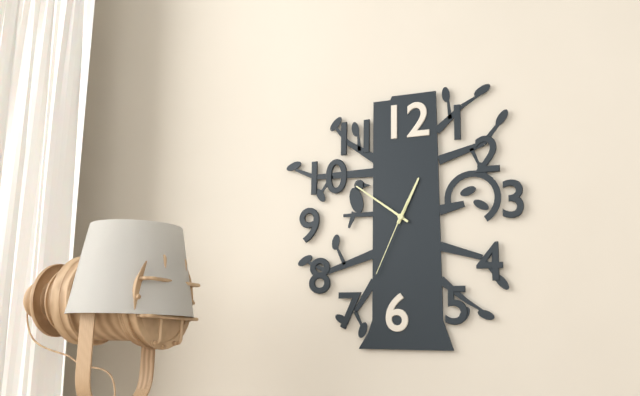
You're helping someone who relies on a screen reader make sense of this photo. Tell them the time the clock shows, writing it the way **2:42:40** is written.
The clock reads **12:51:34**
